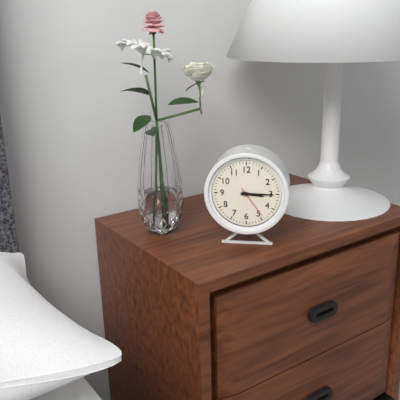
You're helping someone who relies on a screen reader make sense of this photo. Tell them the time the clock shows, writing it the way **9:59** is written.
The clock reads **3:15**
